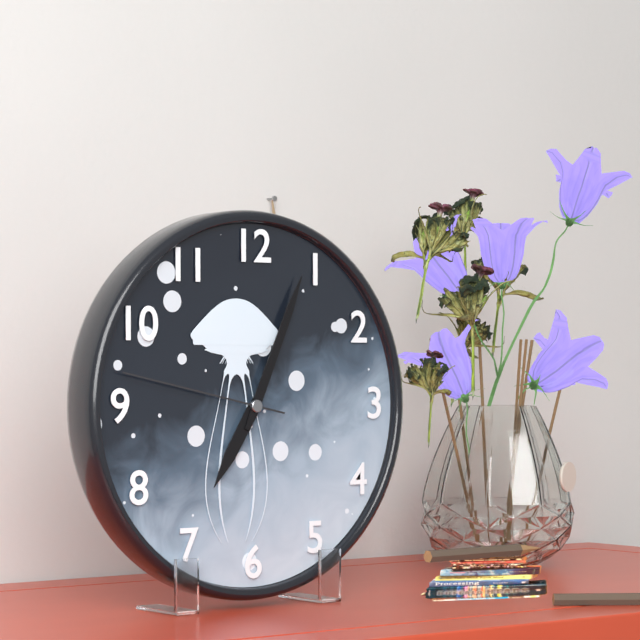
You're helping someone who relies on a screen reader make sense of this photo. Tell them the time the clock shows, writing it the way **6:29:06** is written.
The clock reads **7:04:47**
